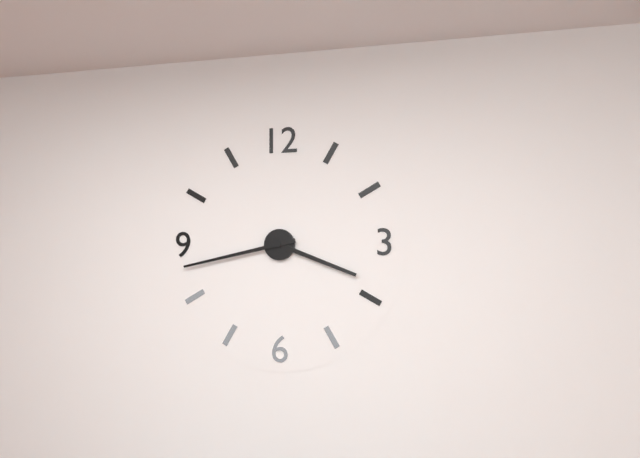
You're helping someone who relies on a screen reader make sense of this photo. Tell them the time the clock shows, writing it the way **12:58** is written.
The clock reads **3:43**
